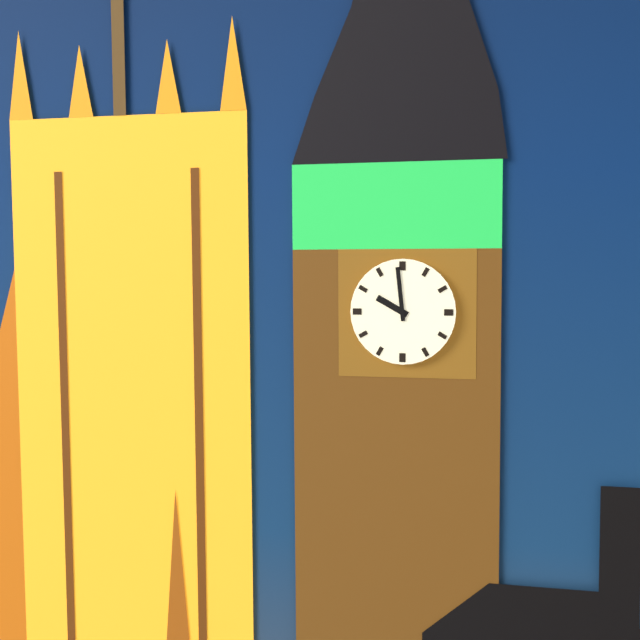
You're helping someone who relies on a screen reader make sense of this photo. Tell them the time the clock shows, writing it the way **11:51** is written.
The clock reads **9:59**
